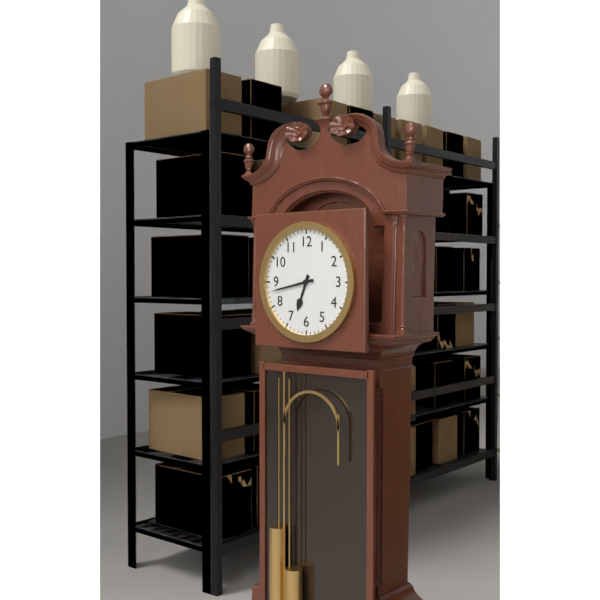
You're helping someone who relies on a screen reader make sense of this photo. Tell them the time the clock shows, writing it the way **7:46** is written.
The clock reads **6:43**
